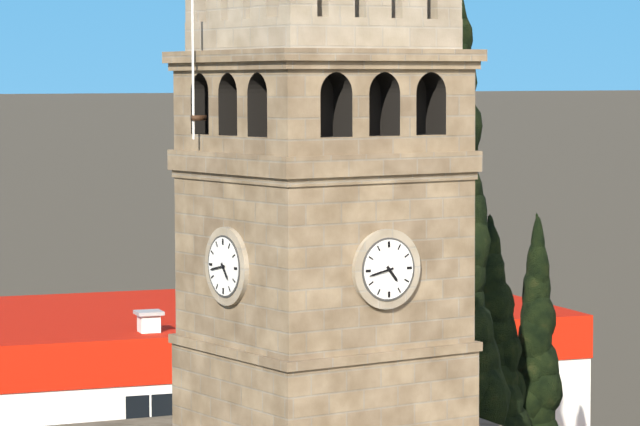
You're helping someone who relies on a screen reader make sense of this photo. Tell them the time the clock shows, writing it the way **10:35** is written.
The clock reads **4:43**
